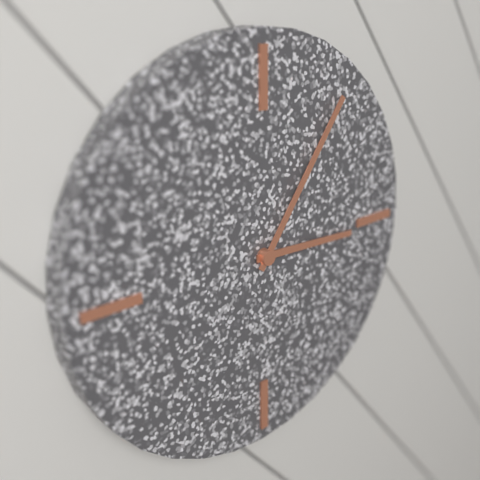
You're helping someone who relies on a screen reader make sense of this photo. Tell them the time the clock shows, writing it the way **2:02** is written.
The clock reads **3:06**
